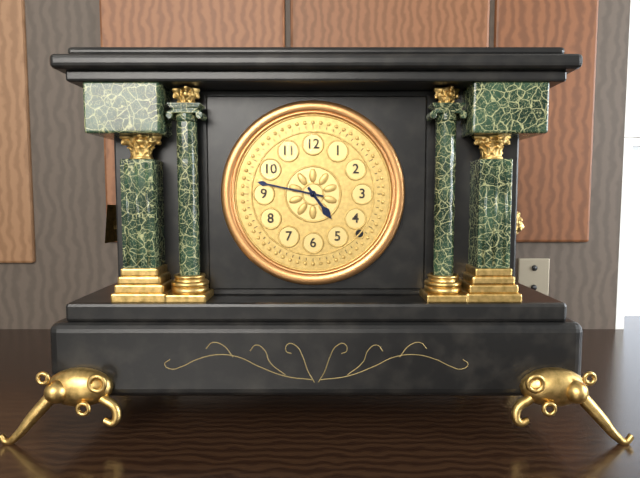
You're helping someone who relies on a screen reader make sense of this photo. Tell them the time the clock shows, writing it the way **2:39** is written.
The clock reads **4:47**
